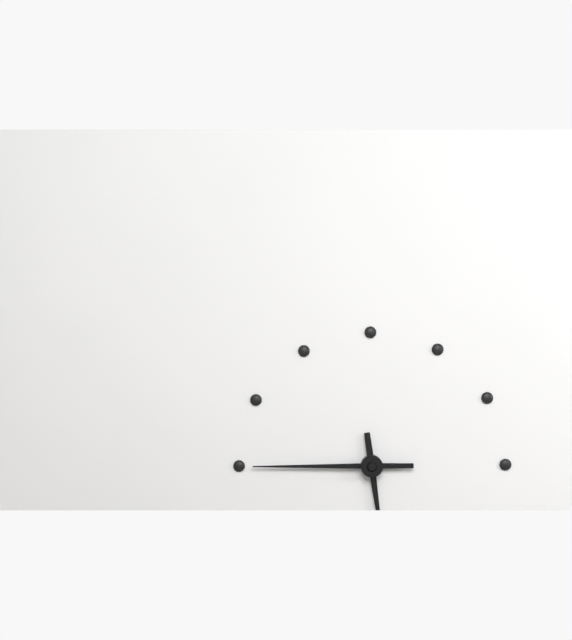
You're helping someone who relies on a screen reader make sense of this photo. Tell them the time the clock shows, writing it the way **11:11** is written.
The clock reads **5:45**
